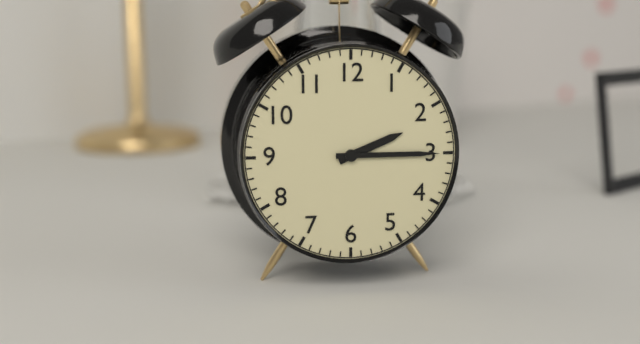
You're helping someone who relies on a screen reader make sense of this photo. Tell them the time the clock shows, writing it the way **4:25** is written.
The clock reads **2:15**
